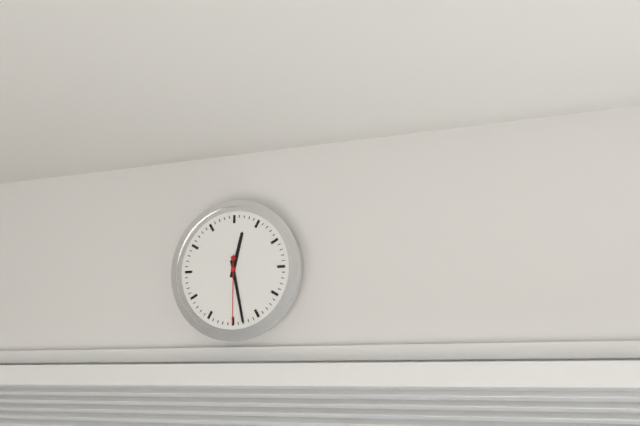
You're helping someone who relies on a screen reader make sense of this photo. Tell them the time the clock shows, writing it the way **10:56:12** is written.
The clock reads **12:28:30**
